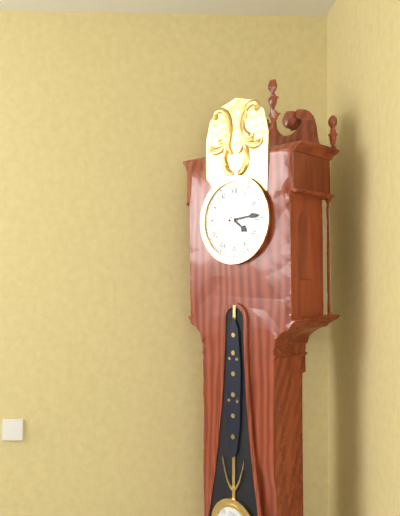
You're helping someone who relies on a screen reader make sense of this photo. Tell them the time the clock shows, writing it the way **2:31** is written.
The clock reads **4:14**
